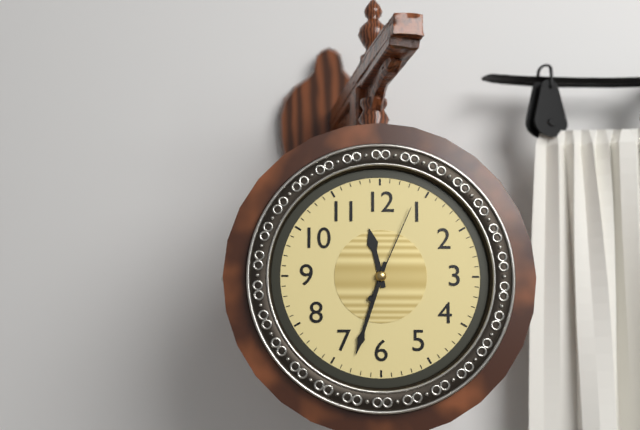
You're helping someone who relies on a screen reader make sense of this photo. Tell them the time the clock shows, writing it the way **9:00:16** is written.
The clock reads **11:33:04**
